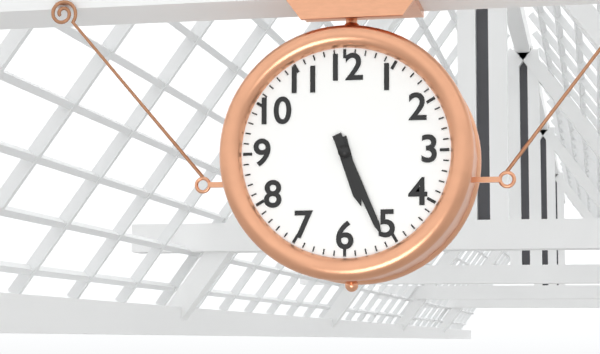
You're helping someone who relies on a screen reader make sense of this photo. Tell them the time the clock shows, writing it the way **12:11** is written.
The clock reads **5:26**
